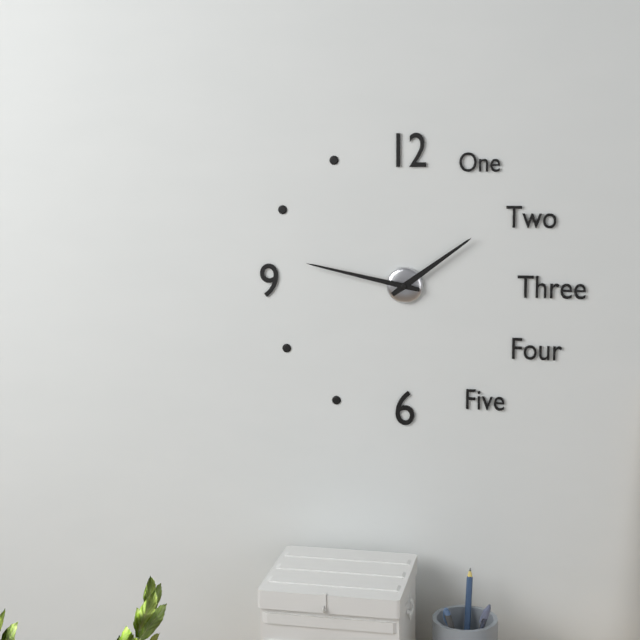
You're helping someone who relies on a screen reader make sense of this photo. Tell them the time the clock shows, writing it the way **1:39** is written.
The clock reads **1:47**
